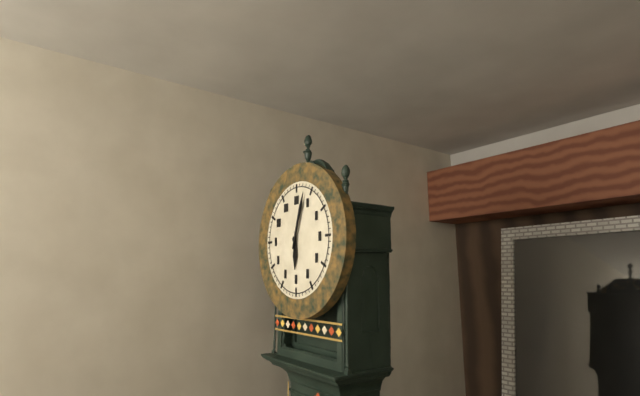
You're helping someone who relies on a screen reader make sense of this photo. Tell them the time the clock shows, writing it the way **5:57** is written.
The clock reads **6:03**
